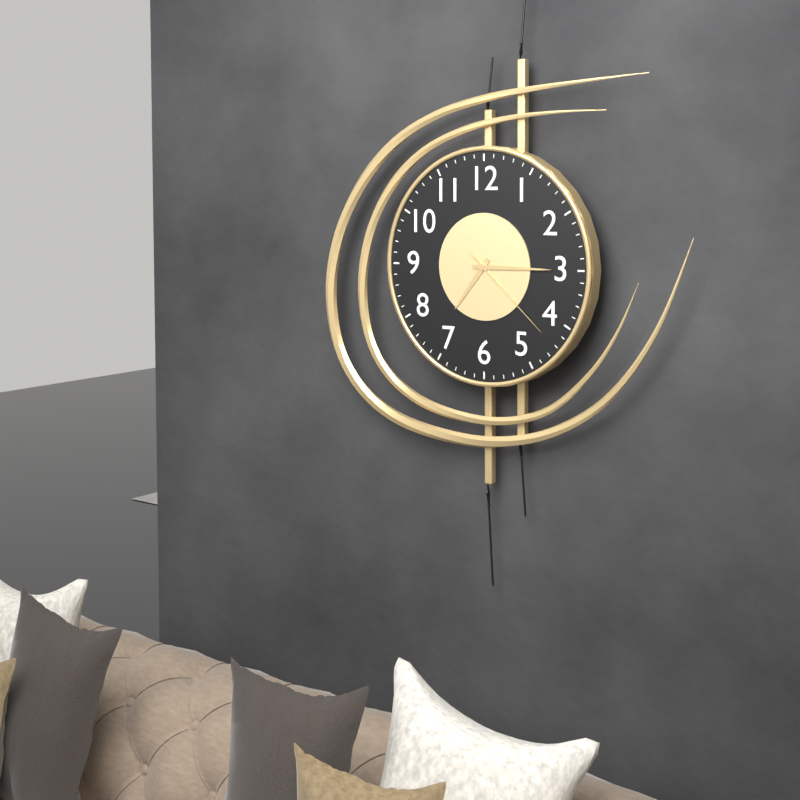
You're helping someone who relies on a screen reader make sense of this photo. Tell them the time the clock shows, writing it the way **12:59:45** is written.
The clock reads **7:15:22**
